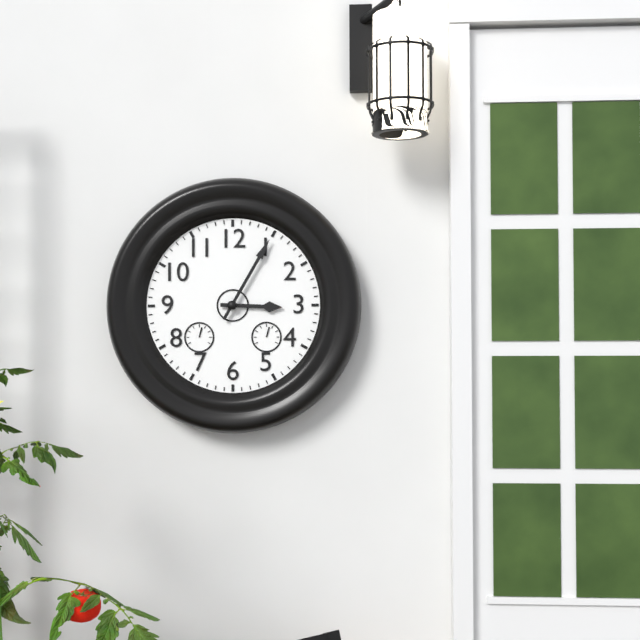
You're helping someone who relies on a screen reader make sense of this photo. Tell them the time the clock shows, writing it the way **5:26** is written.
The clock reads **3:05**
